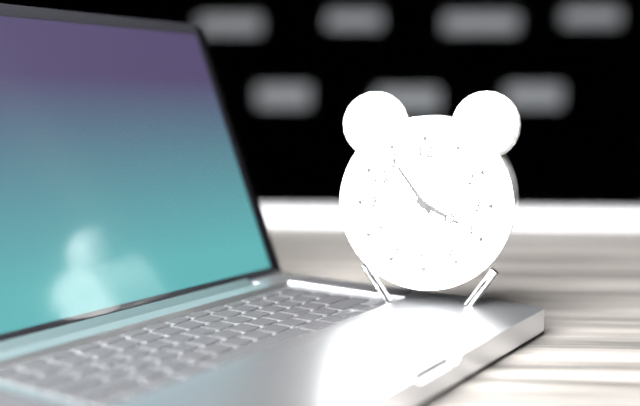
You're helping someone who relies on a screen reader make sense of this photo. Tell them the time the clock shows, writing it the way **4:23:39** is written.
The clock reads **3:54:42**
